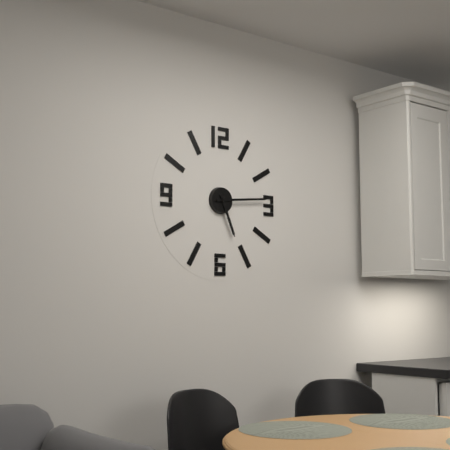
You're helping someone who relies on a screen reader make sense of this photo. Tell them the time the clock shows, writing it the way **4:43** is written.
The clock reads **5:14**
